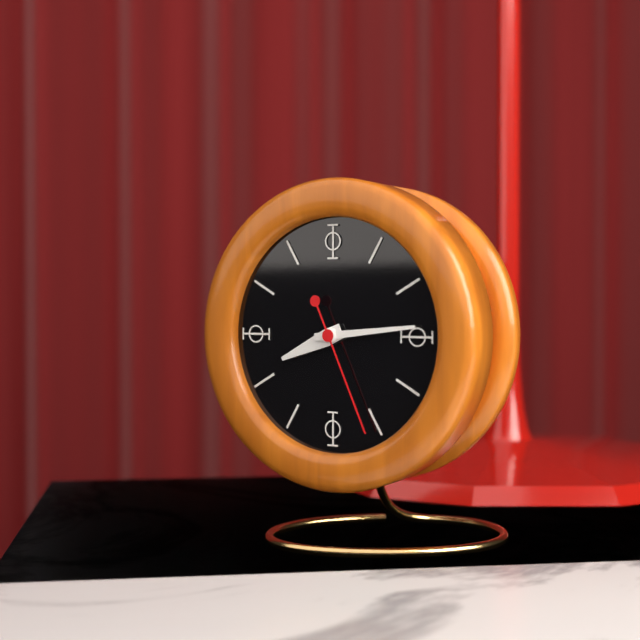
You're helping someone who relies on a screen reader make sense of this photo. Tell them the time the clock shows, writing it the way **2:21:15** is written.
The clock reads **8:14:26**
